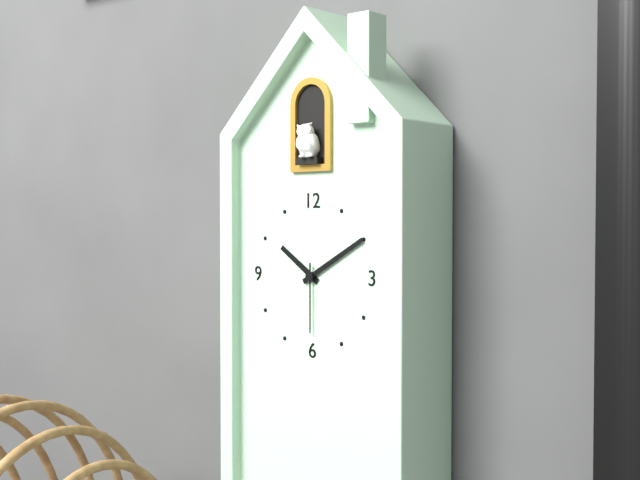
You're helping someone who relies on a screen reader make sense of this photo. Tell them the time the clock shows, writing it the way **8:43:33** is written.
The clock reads **10:10:30**
